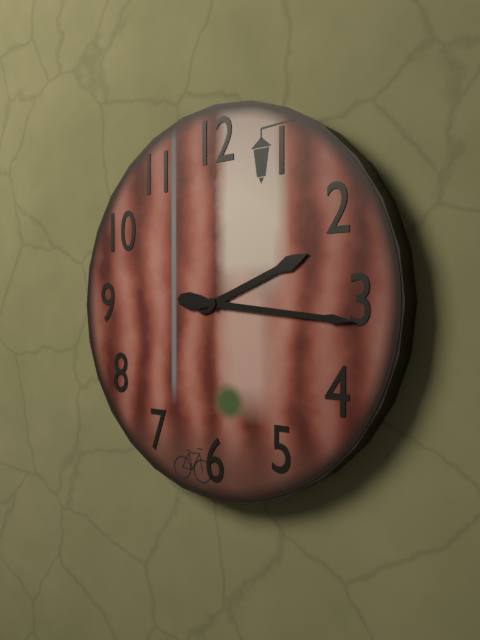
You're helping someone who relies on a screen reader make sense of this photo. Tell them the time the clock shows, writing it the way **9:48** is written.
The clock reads **2:16**
